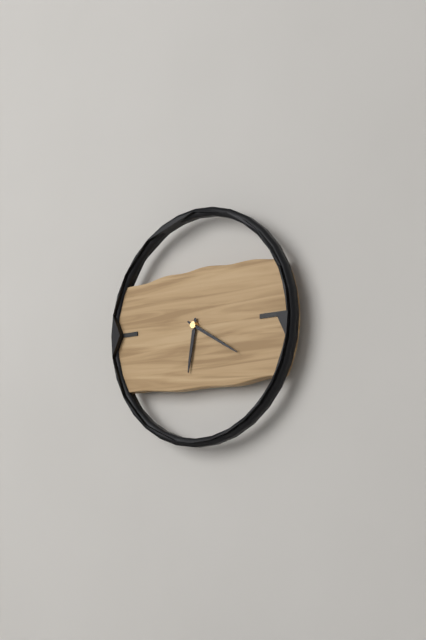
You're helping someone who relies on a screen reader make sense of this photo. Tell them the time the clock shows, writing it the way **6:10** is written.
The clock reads **6:20**
